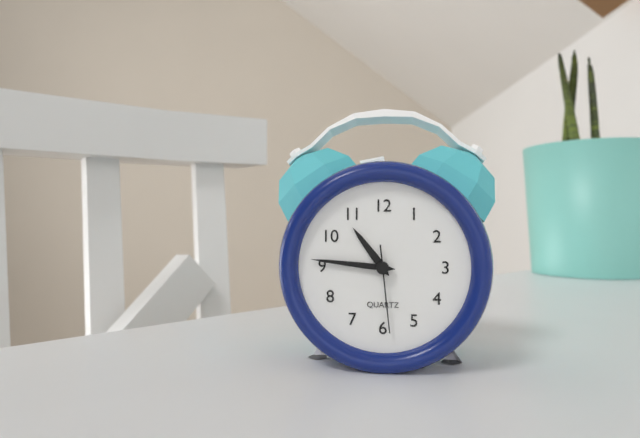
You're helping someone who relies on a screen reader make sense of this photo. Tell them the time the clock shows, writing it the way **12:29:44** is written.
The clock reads **10:46:29**
